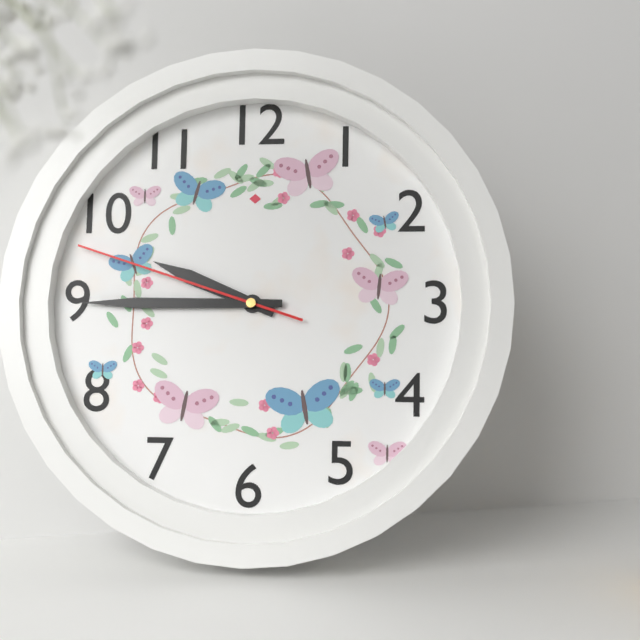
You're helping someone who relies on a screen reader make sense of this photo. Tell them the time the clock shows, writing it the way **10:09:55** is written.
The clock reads **9:45:48**
